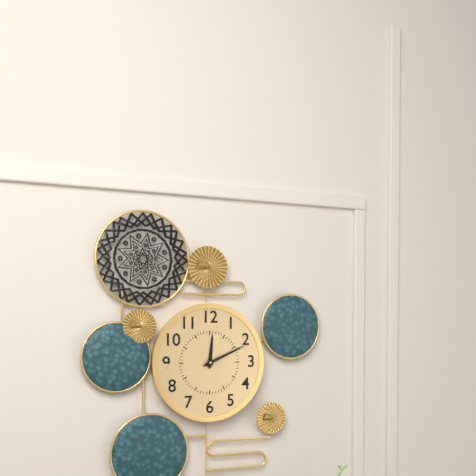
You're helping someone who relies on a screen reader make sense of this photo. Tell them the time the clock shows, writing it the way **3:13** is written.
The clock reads **12:11**
